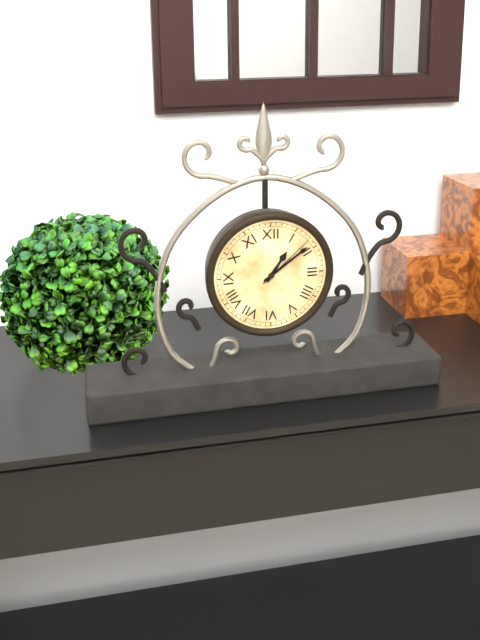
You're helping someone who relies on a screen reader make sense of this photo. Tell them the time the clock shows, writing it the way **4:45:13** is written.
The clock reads **1:09:08**
